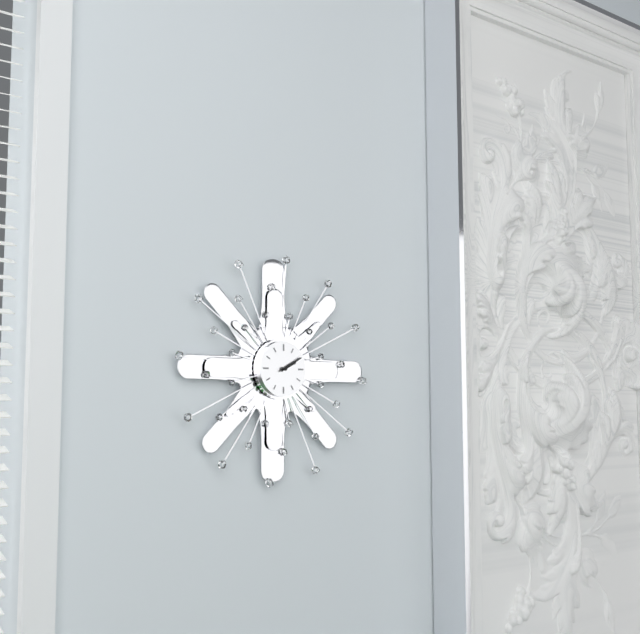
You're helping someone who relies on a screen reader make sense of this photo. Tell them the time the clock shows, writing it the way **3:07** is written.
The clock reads **2:10**
